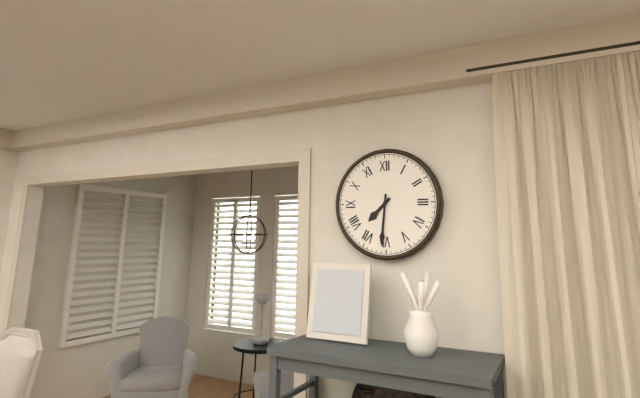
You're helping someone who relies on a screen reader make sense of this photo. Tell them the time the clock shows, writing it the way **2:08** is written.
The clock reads **7:31**
